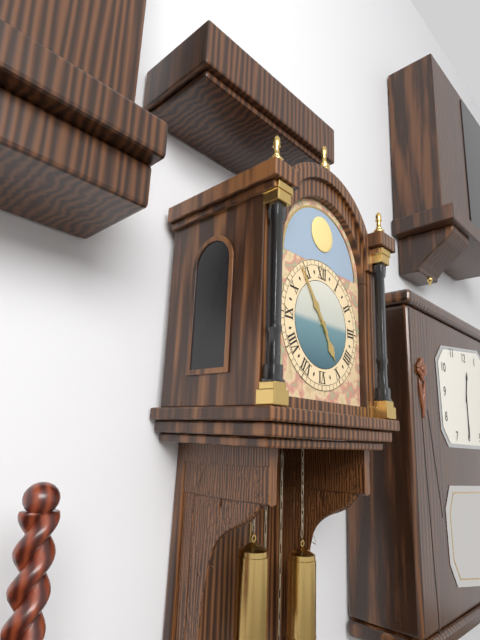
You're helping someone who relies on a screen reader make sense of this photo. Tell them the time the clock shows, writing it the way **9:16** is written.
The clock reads **4:54**
